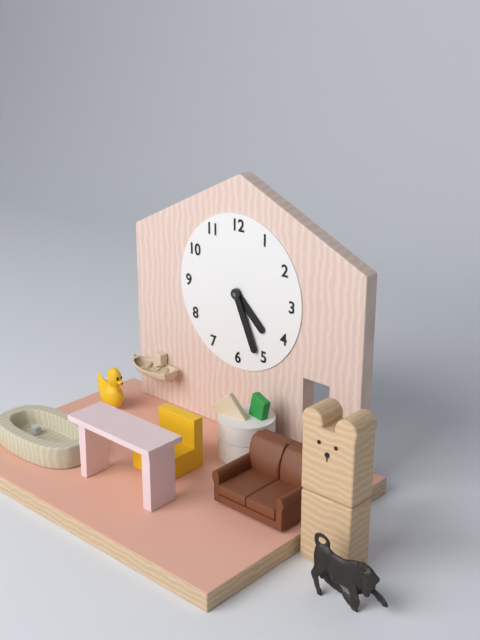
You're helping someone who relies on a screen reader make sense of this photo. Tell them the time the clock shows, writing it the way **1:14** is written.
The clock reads **4:26**
